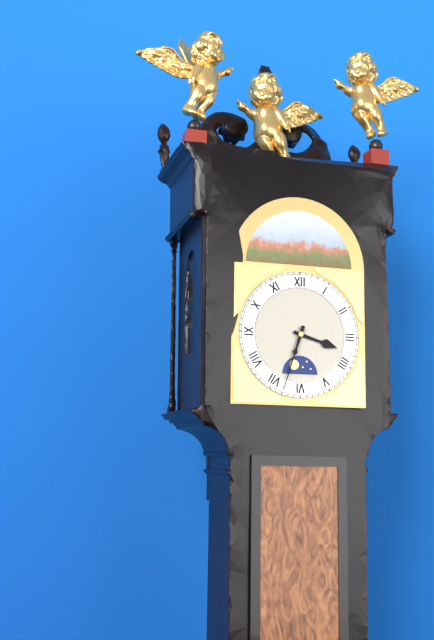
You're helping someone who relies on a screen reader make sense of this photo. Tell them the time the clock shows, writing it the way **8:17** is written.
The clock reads **3:33**
